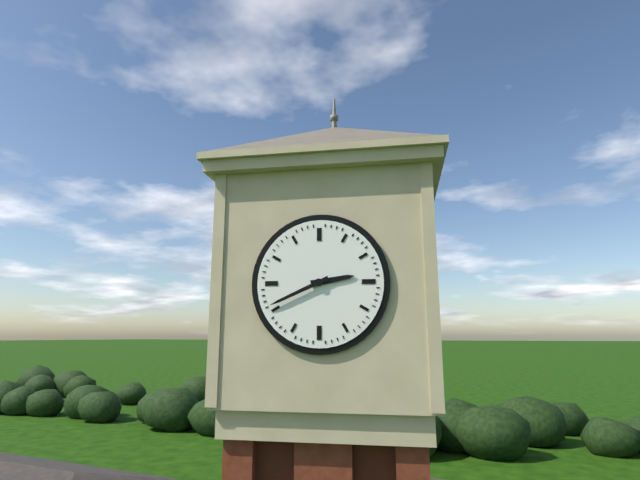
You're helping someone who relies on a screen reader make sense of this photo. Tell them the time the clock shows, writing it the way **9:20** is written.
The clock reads **2:41**
